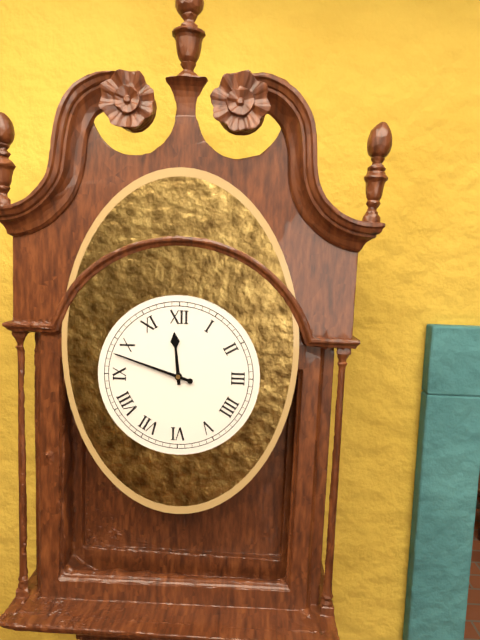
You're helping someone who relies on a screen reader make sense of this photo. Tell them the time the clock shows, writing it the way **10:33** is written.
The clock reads **11:48**
